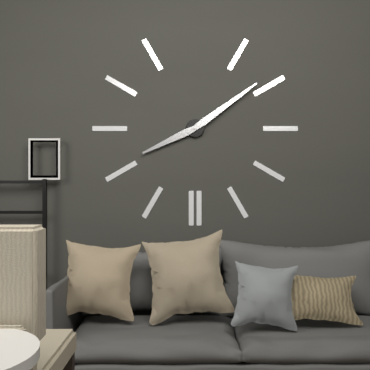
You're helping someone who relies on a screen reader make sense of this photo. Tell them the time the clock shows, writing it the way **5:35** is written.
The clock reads **8:09**
